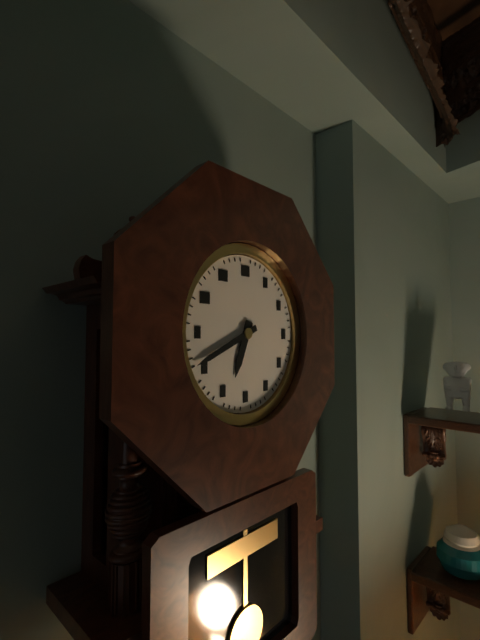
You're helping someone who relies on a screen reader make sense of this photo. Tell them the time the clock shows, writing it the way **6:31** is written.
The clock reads **6:41**
